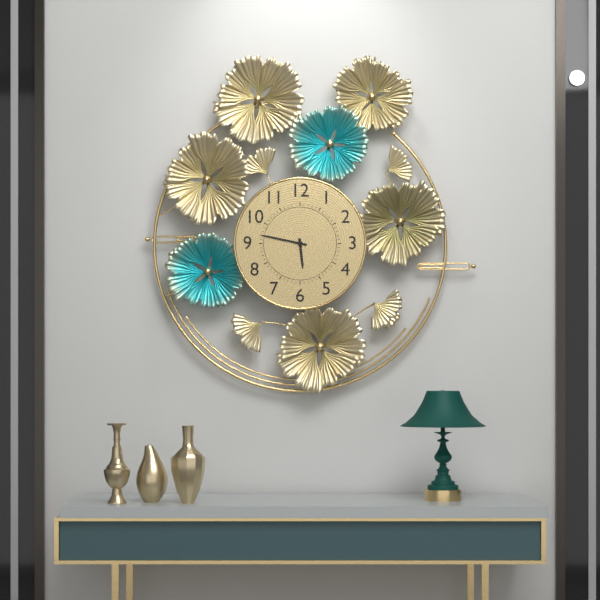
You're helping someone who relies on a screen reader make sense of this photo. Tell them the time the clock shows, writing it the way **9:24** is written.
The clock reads **5:47**
